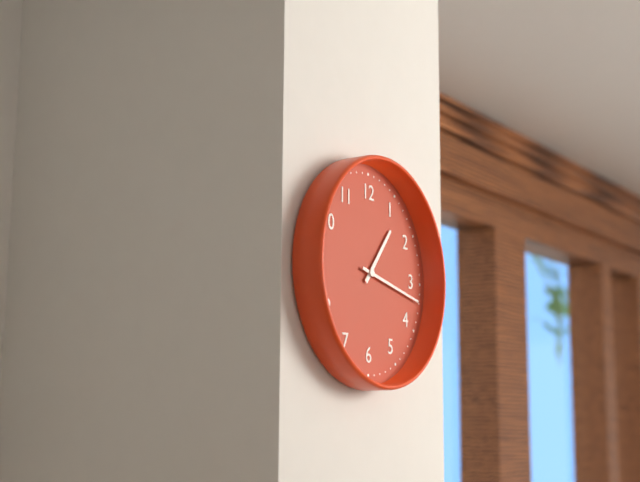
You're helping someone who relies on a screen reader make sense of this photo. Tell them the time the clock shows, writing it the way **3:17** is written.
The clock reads **1:17**
